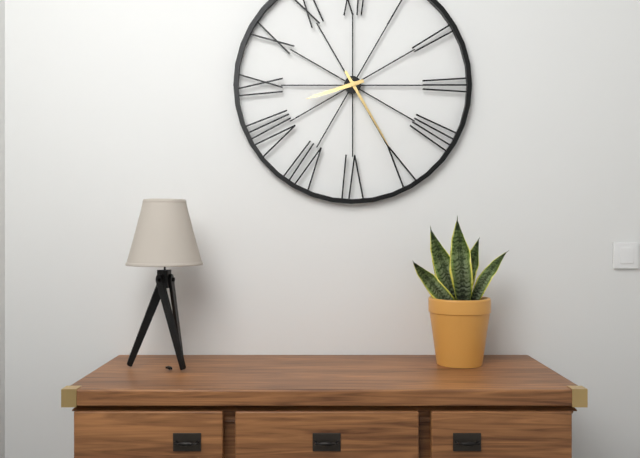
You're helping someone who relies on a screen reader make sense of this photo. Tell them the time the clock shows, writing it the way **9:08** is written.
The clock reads **8:25**
